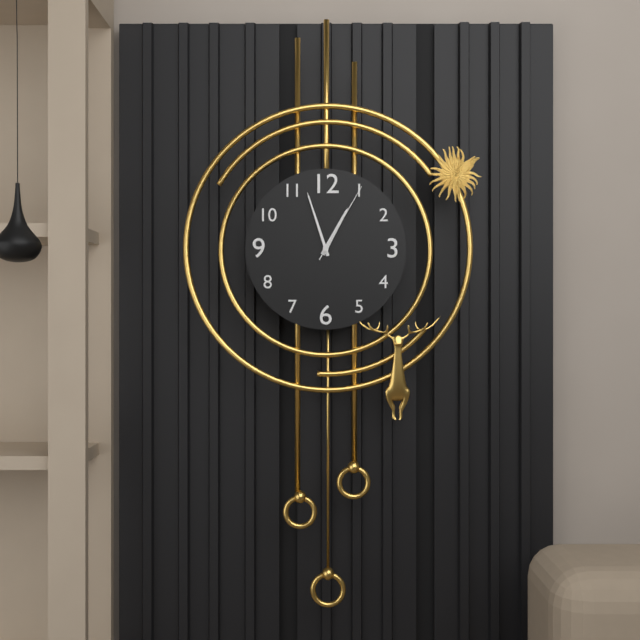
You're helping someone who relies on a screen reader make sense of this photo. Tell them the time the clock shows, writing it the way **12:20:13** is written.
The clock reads **12:57:05**
